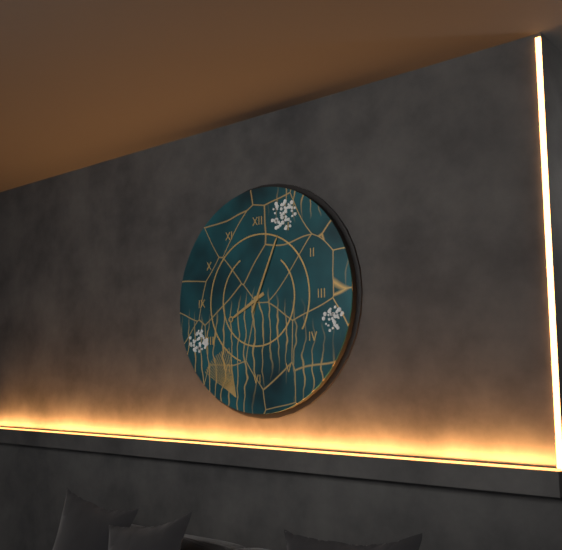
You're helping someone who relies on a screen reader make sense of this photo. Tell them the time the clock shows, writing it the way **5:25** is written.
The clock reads **8:04**
